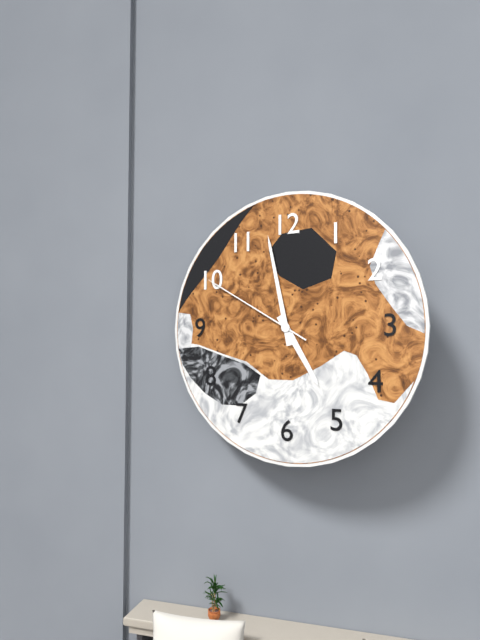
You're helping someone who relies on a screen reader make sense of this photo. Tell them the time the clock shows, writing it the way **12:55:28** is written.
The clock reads **4:58:50**
